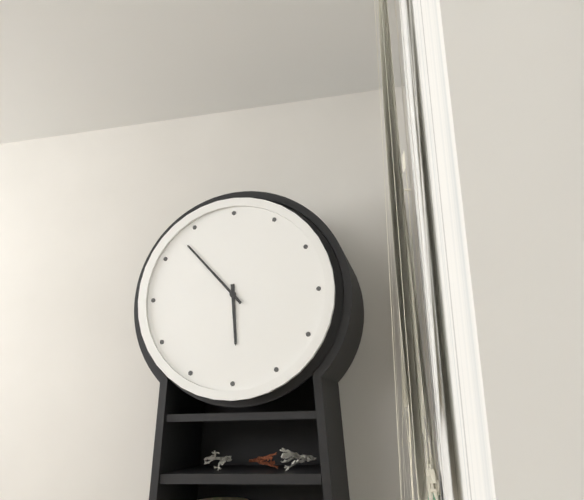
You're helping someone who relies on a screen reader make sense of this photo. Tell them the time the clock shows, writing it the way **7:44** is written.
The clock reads **5:53**
